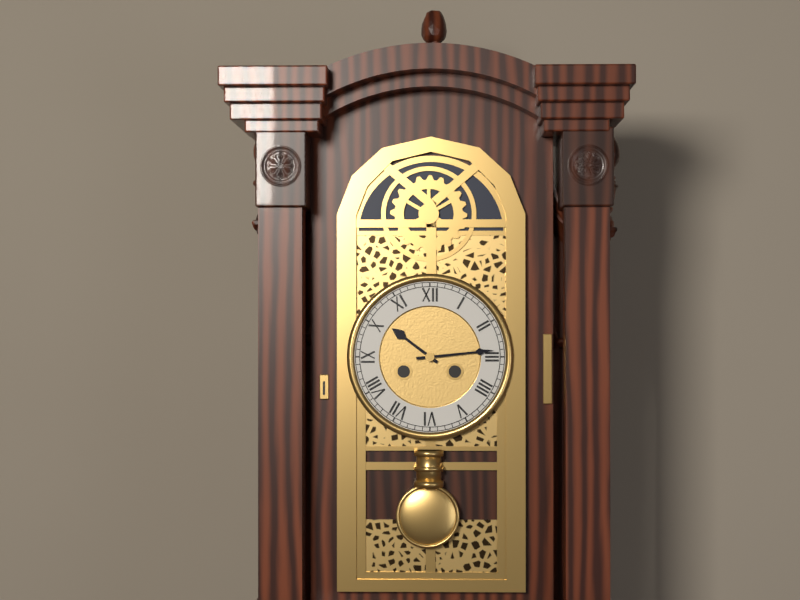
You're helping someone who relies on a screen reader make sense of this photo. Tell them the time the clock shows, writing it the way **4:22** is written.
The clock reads **10:14**
